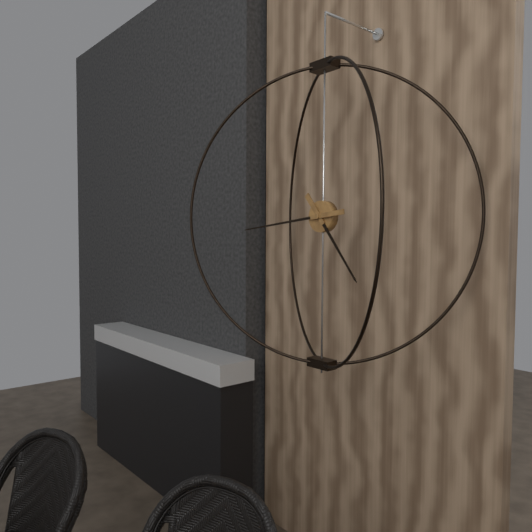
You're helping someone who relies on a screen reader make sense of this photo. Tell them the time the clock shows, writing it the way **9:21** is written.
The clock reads **4:44**
